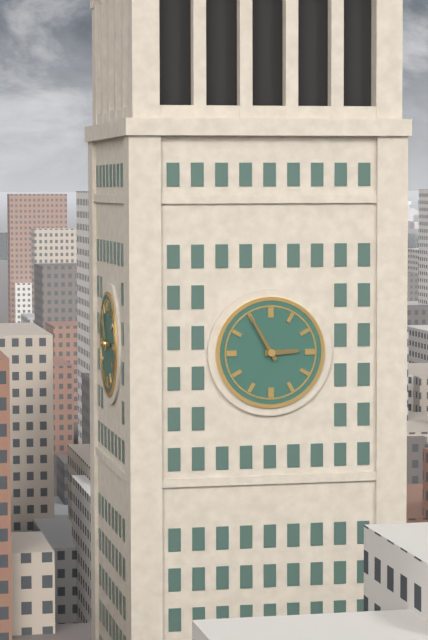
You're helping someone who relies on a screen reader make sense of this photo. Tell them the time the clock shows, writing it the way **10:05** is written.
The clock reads **2:55**
